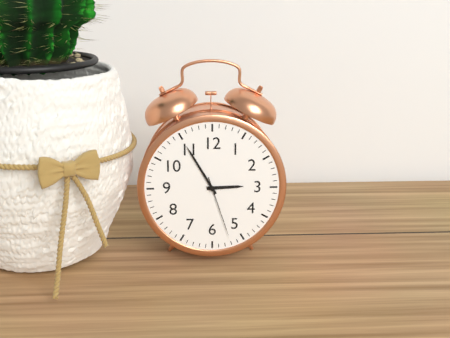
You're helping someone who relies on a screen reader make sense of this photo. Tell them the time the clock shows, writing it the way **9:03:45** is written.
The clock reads **2:55:27**
